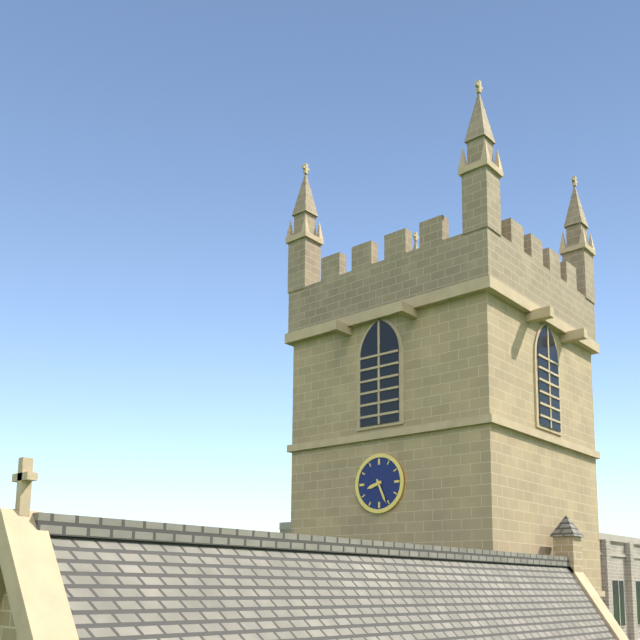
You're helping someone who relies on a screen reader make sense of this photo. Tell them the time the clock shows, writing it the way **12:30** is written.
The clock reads **8:26**
